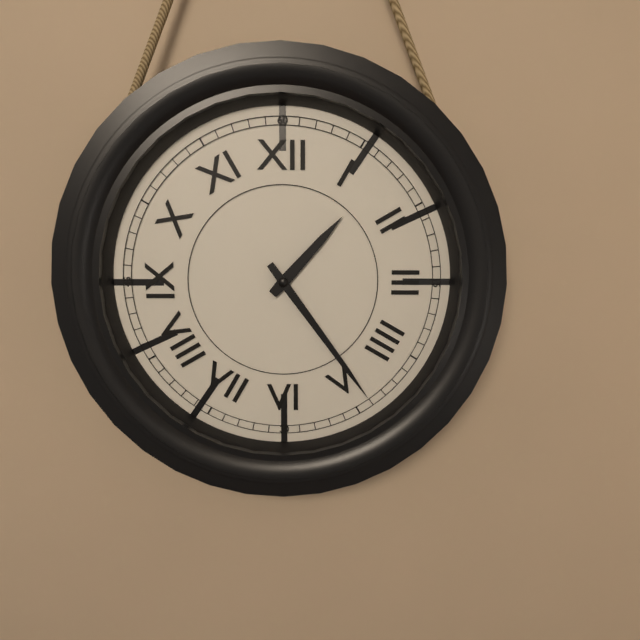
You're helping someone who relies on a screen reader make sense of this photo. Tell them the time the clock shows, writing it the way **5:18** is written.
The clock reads **1:24**
